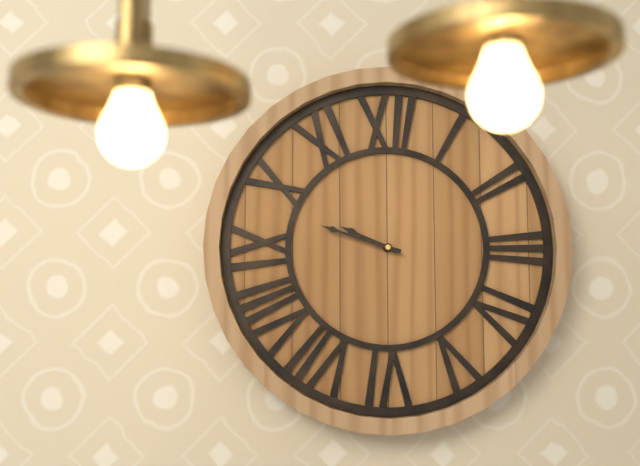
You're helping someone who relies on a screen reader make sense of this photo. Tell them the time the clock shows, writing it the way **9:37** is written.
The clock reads **9:48**
